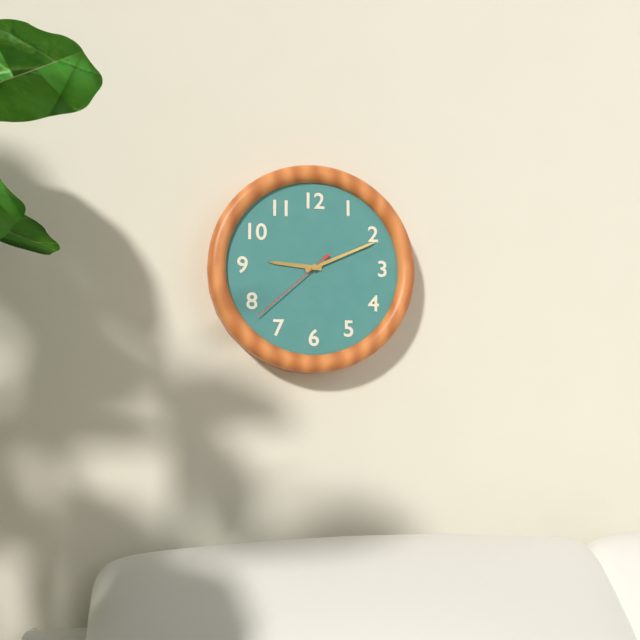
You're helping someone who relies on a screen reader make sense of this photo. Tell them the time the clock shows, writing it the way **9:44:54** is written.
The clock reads **9:11:38**
